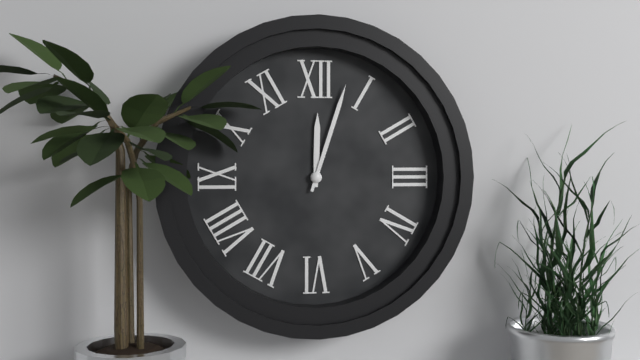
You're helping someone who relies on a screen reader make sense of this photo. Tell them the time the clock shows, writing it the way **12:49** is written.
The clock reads **12:03**
